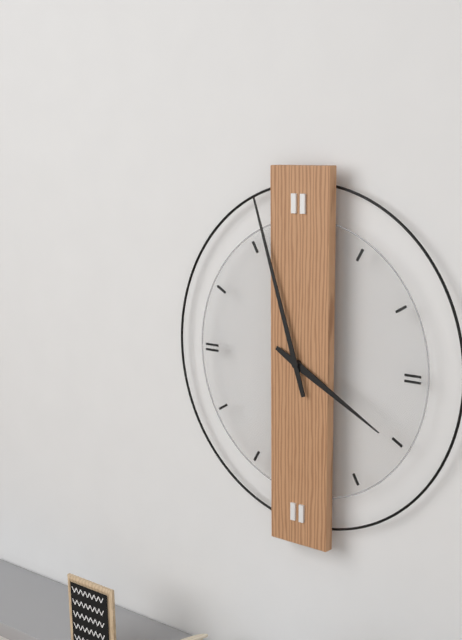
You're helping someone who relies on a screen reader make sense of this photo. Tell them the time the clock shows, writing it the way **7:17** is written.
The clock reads **3:57**
